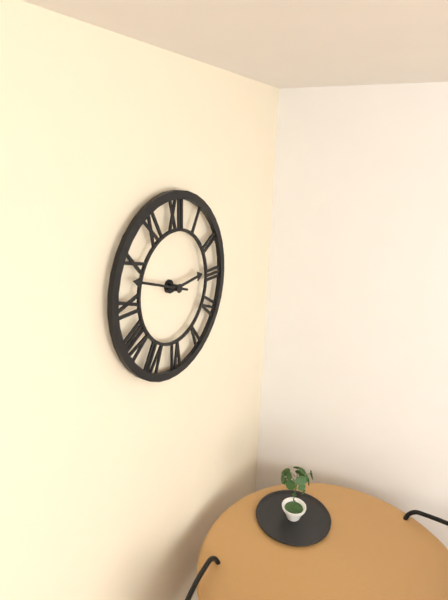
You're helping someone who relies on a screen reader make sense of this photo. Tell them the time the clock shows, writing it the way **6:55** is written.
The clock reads **2:48**
